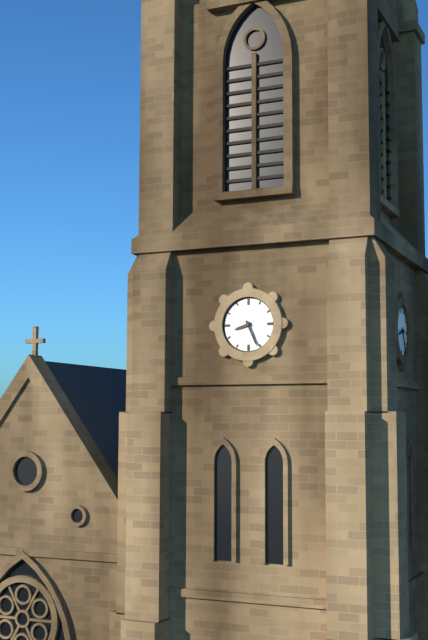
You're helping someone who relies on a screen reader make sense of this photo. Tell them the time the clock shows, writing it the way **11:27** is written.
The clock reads **8:26**
